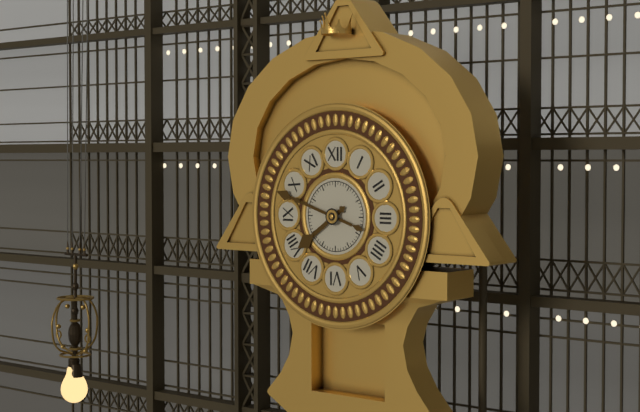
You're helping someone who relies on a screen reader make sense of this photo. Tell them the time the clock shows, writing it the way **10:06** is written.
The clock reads **7:48**
